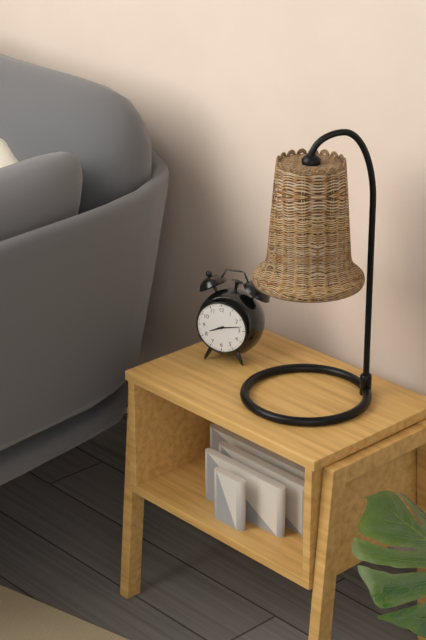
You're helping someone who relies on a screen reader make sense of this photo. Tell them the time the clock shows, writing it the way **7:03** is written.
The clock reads **8:13**
